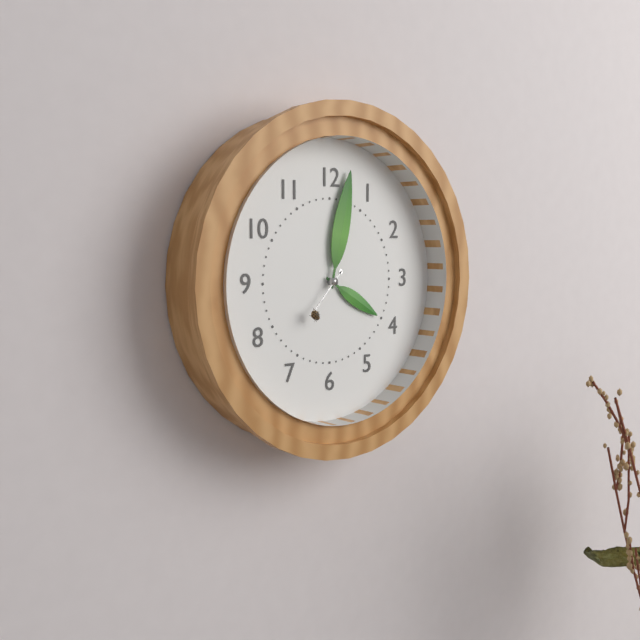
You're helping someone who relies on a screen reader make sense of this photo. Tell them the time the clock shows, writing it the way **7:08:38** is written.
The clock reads **4:02:37**
